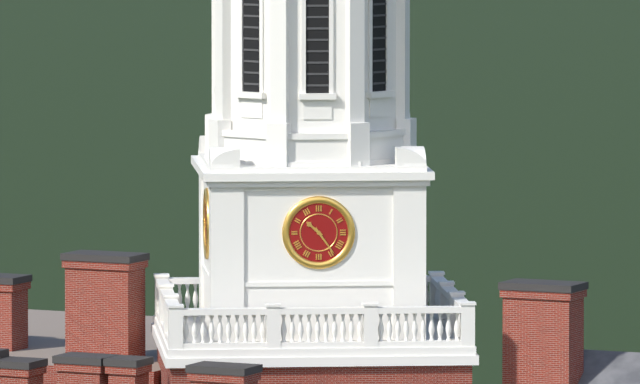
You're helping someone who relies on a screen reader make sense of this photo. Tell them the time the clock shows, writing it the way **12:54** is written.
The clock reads **10:24**
